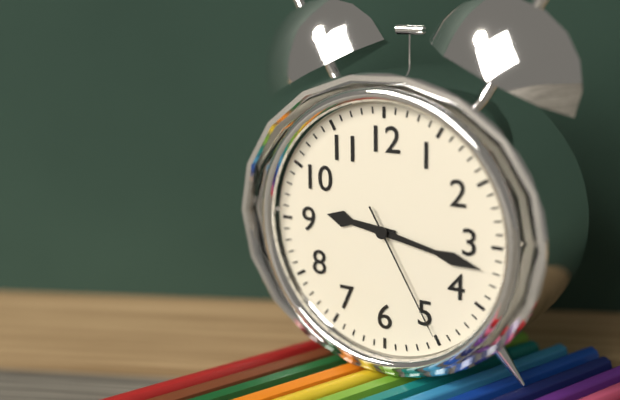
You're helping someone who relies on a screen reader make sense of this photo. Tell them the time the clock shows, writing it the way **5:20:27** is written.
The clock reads **9:17:25**
